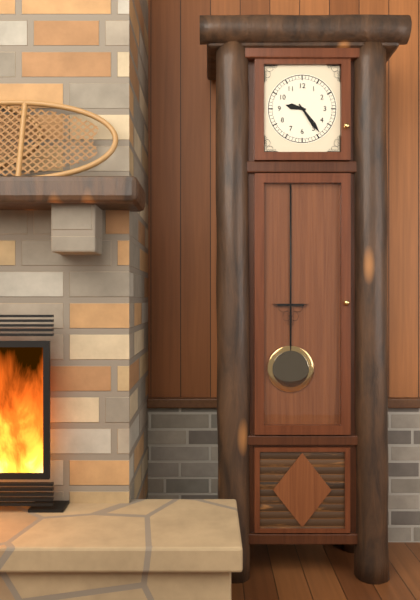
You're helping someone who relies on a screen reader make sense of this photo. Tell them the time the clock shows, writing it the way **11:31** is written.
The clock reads **9:24**
